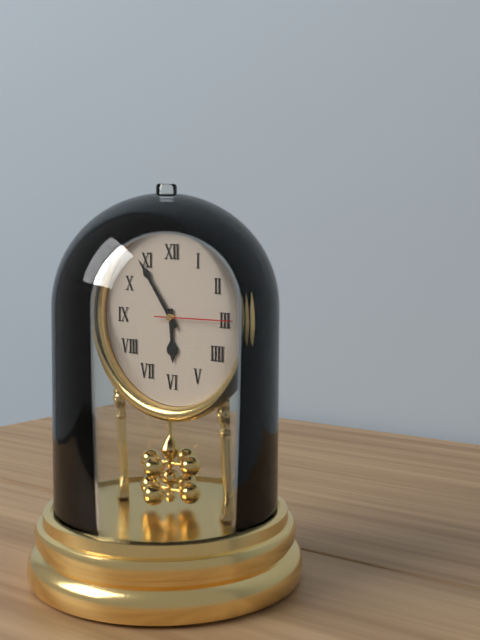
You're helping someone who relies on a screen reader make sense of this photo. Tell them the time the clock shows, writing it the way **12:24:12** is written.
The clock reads **5:54:15**
